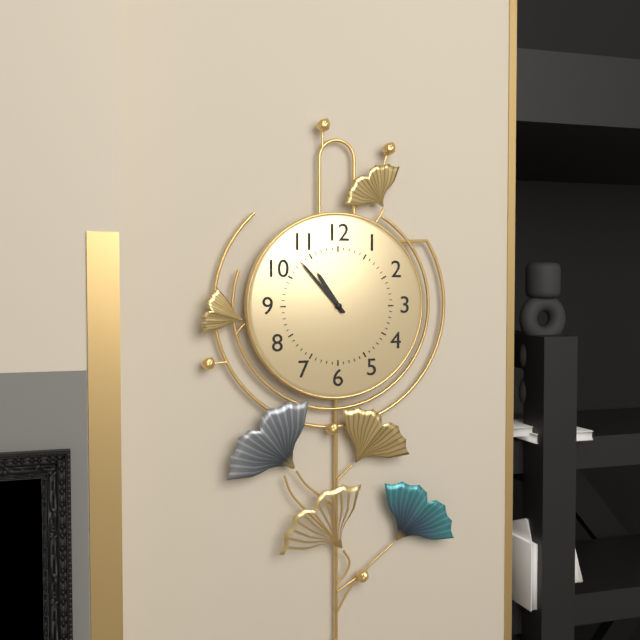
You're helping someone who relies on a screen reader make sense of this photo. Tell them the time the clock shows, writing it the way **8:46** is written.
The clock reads **10:53**
